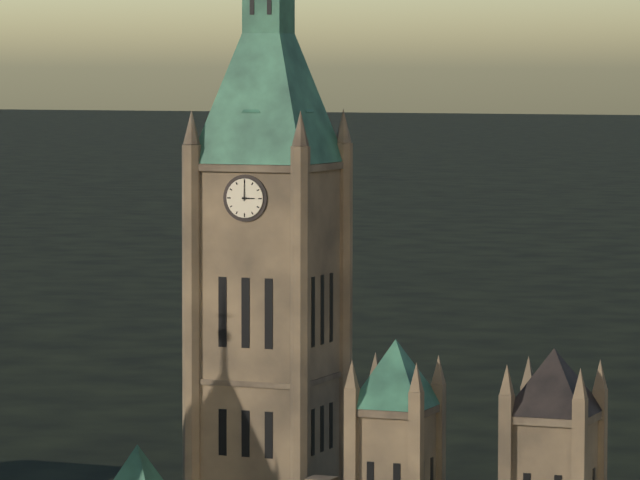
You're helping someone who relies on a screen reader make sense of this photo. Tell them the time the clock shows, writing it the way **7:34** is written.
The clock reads **3:00**
